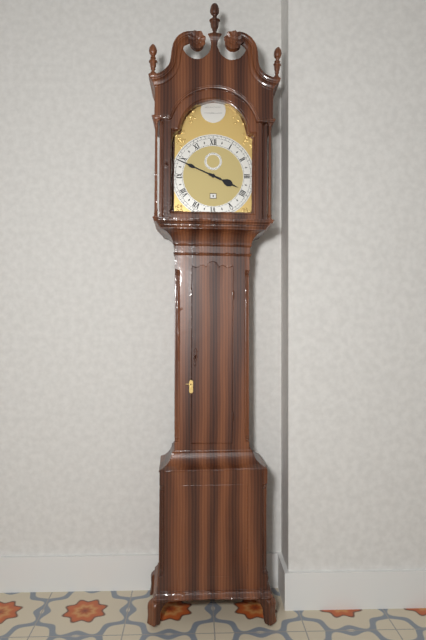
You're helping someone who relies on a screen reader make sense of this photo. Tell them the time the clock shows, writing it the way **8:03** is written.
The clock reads **3:49**
